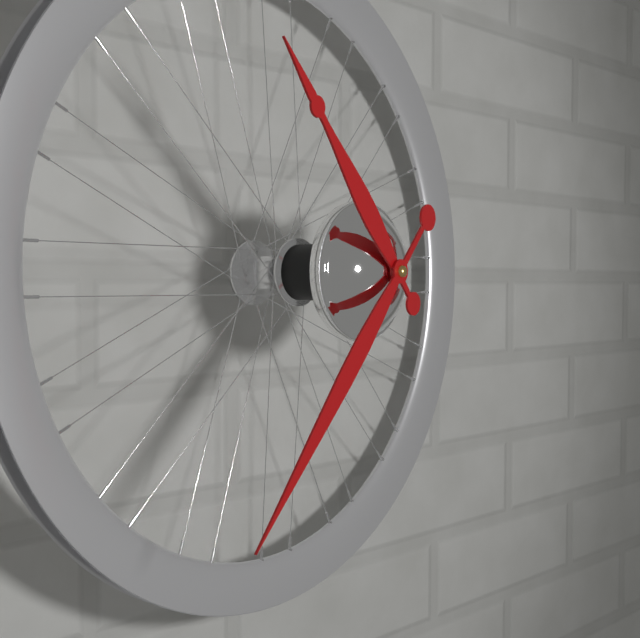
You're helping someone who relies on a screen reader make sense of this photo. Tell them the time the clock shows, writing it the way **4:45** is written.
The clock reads **10:37**
